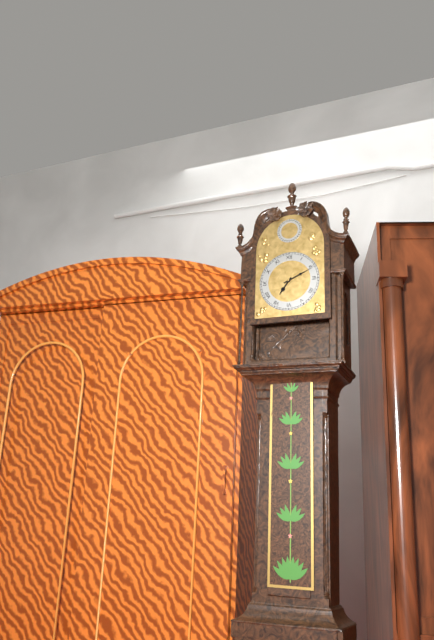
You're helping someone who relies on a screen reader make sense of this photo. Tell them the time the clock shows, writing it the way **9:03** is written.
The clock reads **7:11**
